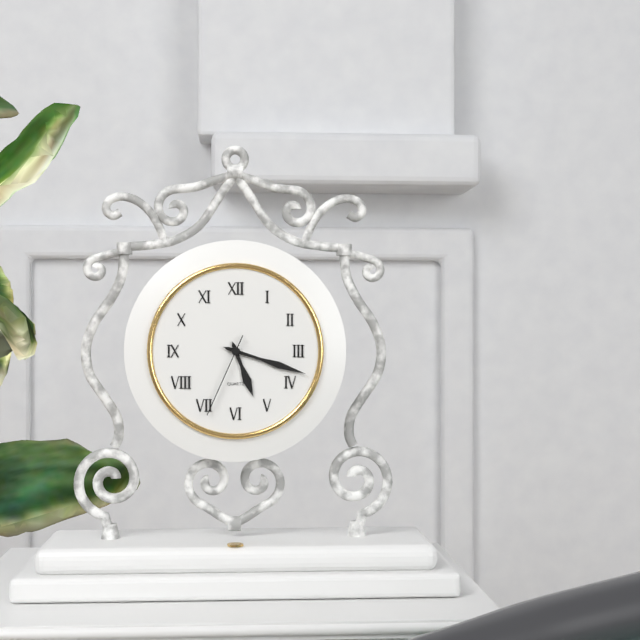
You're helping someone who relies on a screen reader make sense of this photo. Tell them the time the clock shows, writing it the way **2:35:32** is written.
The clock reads **5:18:34**
